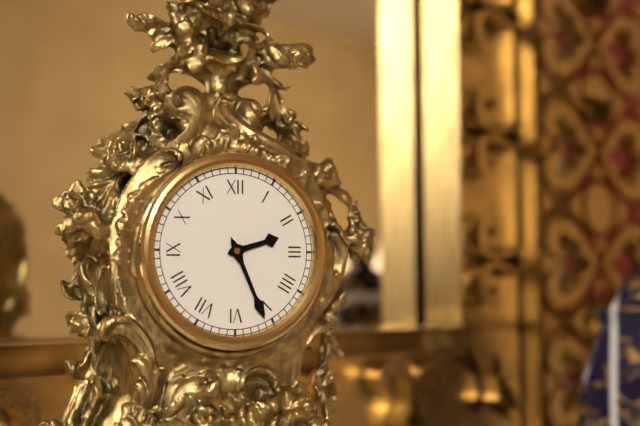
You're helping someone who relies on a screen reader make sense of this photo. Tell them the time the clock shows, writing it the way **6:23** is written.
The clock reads **2:26**
